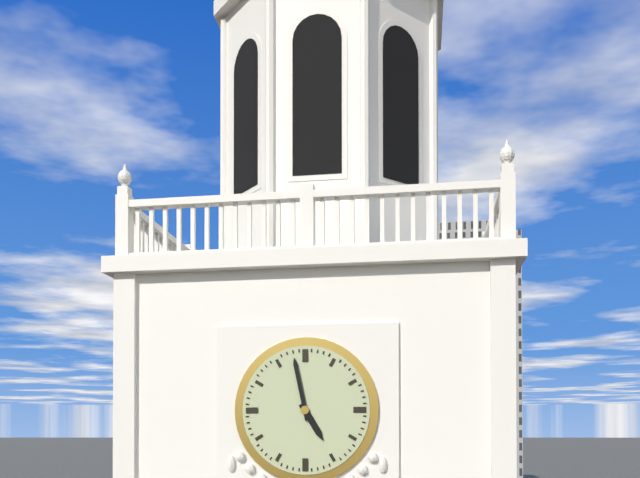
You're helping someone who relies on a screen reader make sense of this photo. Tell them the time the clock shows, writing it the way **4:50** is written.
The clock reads **4:58**
